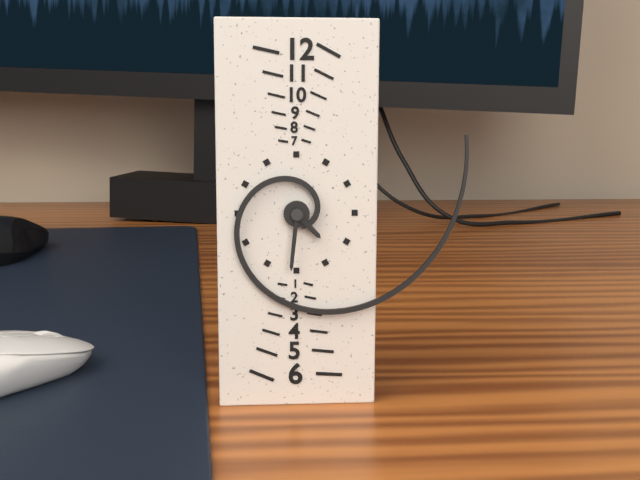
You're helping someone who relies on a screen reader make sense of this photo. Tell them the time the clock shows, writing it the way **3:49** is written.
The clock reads **4:31**
